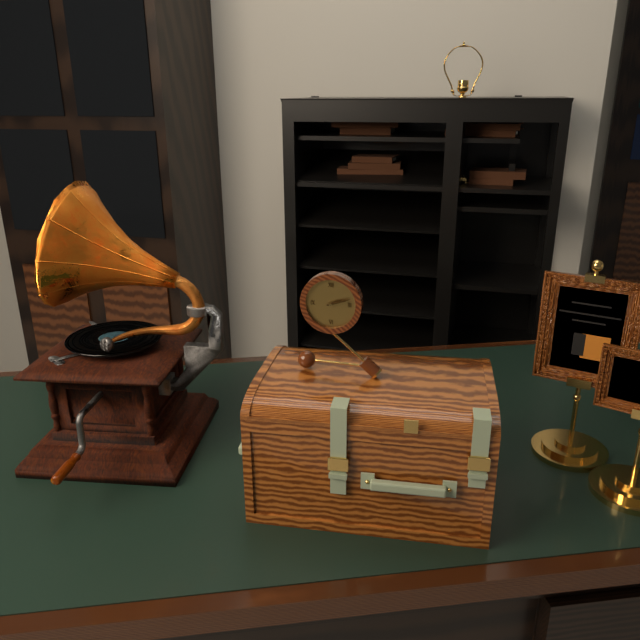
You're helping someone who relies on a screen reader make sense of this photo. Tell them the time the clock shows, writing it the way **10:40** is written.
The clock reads **2:12**
